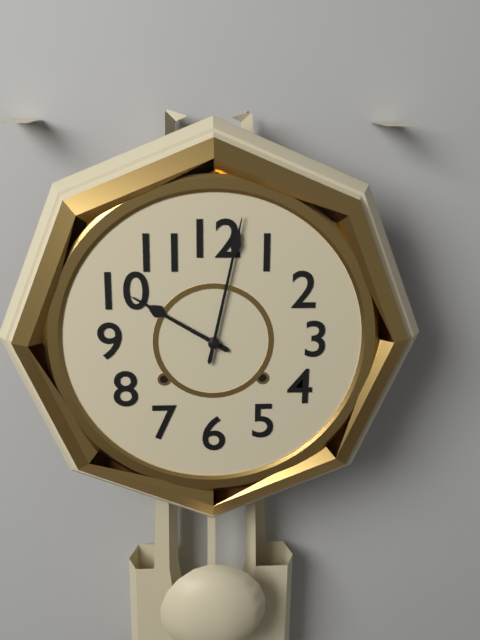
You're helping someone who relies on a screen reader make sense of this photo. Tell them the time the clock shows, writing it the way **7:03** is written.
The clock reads **10:02**
